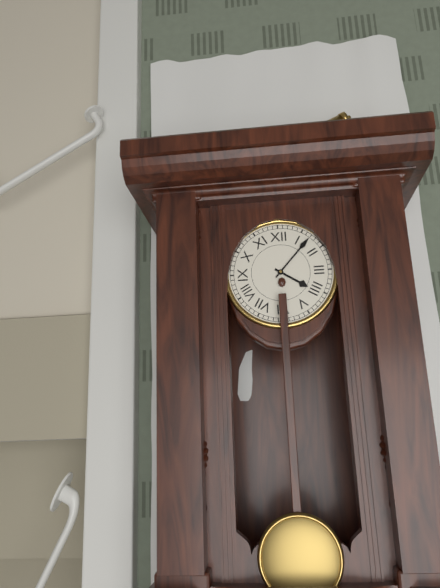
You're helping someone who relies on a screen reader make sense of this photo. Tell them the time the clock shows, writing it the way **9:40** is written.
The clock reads **4:07**
